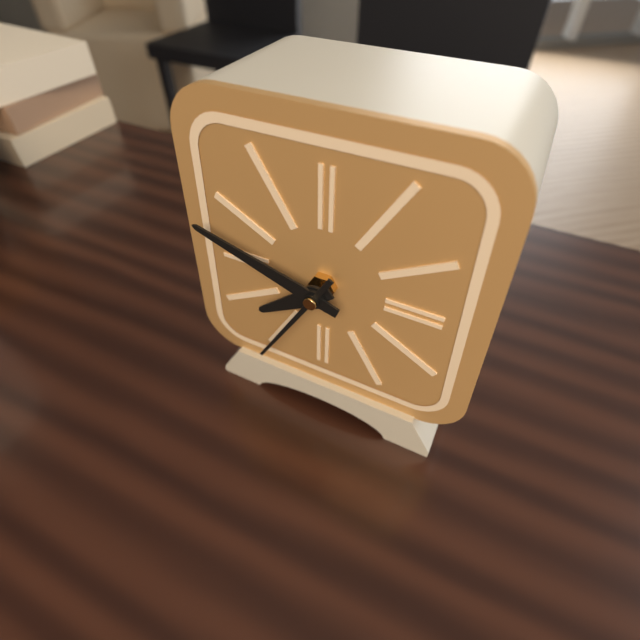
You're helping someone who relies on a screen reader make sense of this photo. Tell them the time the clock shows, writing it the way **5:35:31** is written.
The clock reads **7:48:35**
